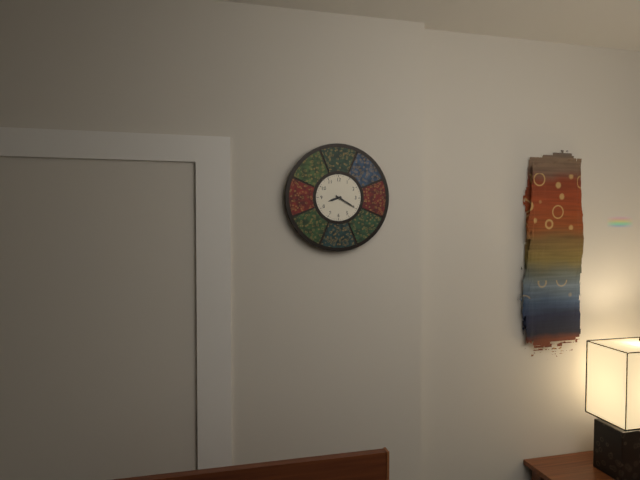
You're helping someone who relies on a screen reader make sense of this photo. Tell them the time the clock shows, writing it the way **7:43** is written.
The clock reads **8:20**
